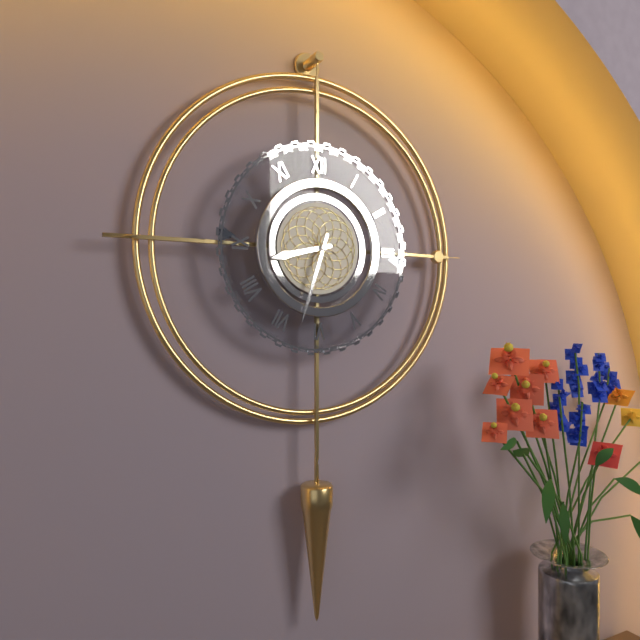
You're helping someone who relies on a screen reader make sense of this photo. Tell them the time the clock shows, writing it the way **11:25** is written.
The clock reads **8:33**
